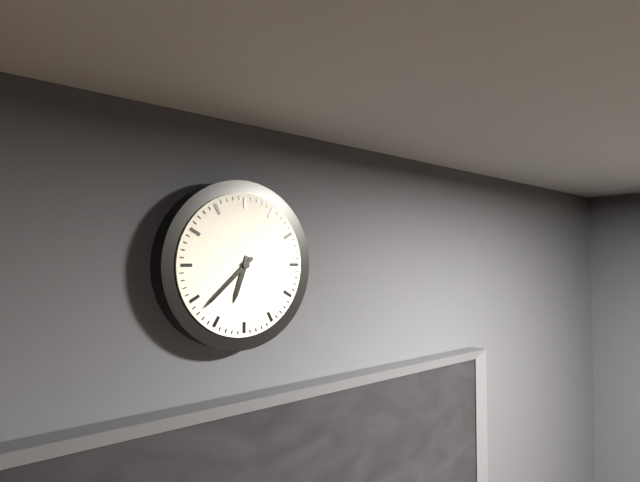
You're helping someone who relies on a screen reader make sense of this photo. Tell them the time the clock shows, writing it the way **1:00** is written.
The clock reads **6:38**
